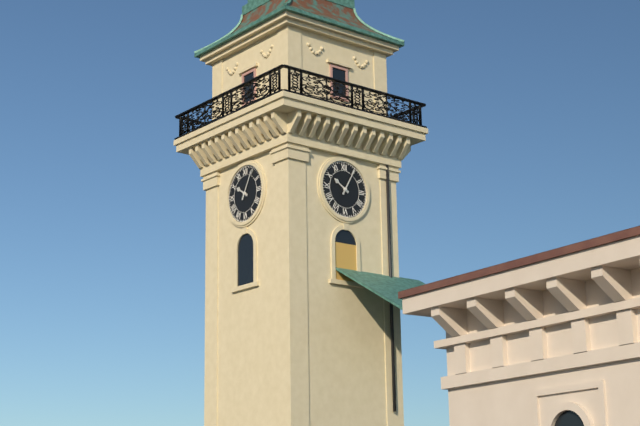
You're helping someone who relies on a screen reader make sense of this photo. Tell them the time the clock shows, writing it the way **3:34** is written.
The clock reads **10:05**
